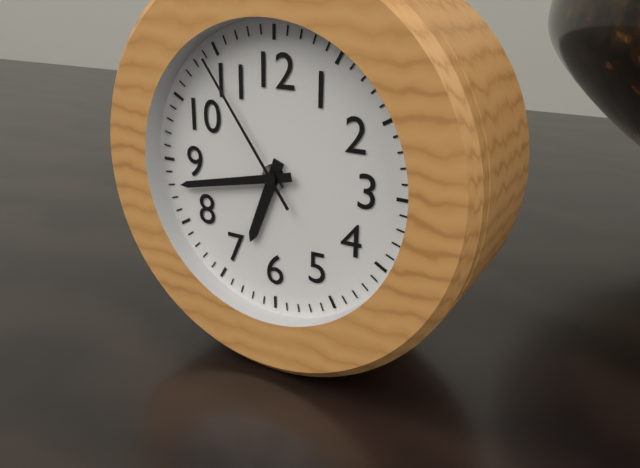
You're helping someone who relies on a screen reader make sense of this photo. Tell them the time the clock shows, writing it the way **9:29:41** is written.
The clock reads **6:43:54**
